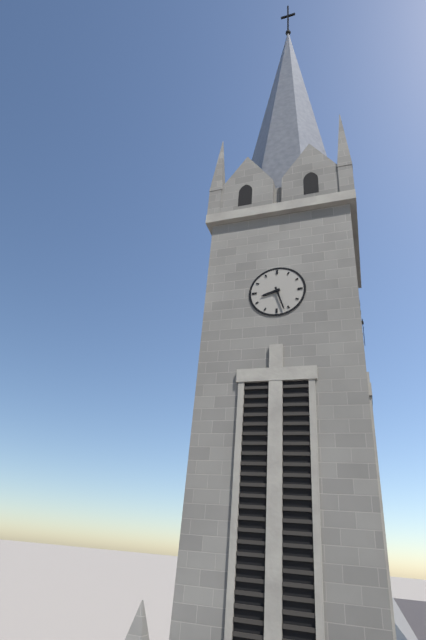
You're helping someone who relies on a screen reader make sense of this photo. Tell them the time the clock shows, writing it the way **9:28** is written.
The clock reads **8:27**
